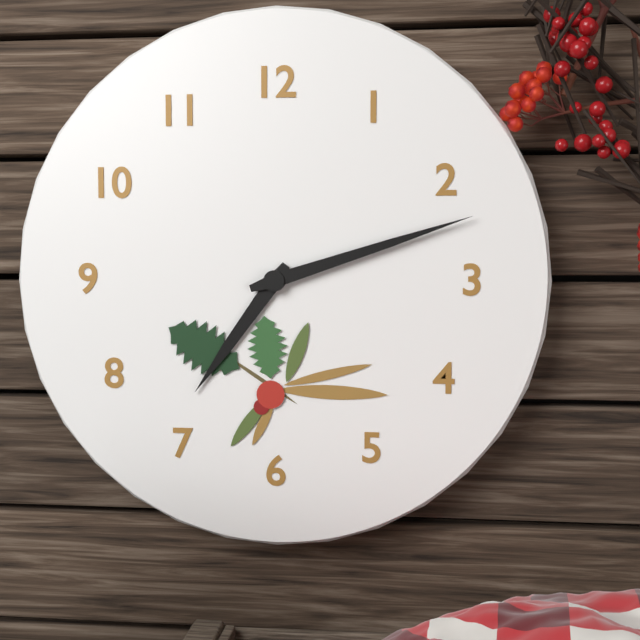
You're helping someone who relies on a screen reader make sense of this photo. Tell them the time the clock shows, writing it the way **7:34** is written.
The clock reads **7:12**
